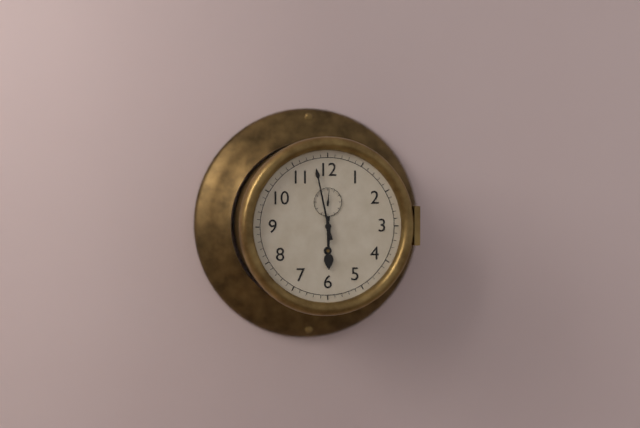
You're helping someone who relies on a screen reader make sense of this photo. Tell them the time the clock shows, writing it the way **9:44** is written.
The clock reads **5:58**
